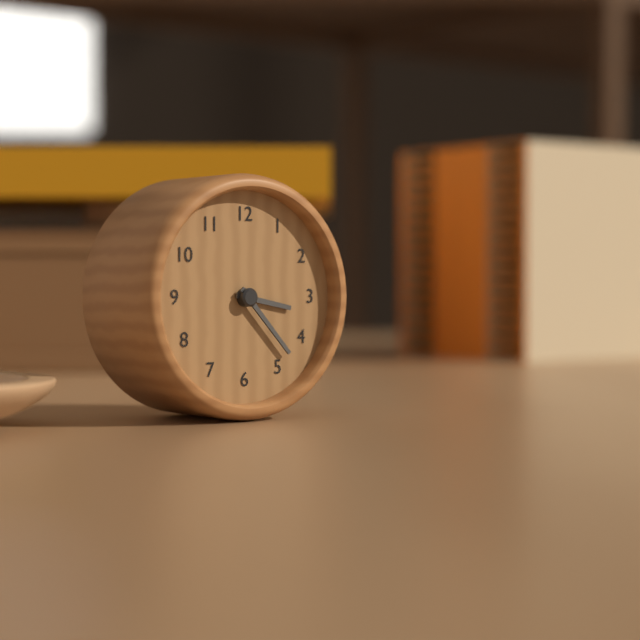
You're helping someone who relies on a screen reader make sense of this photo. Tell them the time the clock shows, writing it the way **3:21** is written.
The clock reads **3:23**
